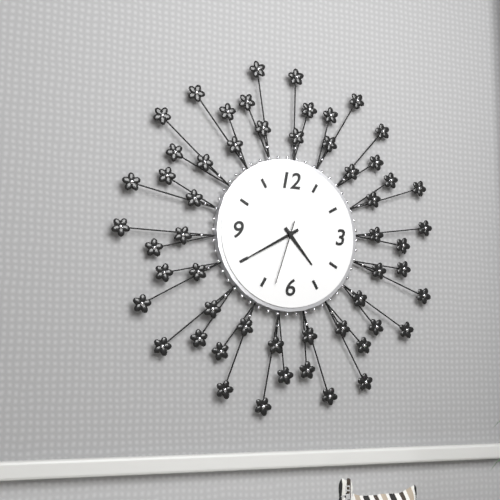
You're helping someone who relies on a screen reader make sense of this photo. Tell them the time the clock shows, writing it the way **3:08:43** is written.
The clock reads **4:40:33**
